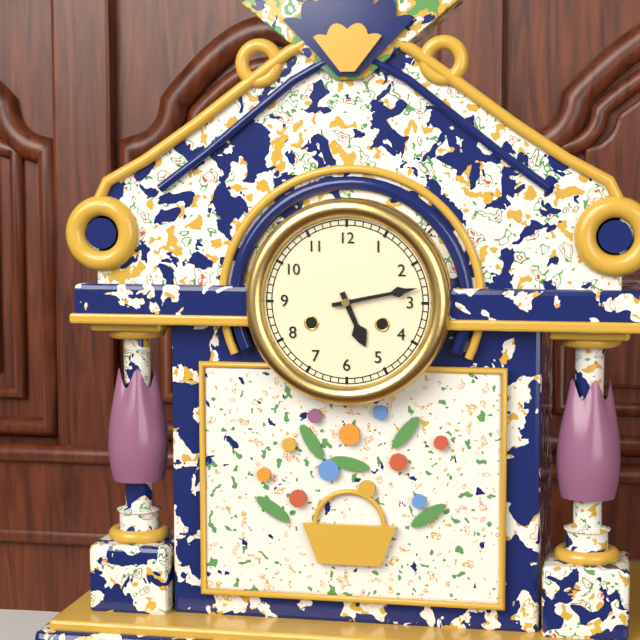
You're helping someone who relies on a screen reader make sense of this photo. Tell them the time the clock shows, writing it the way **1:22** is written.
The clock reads **5:13**
